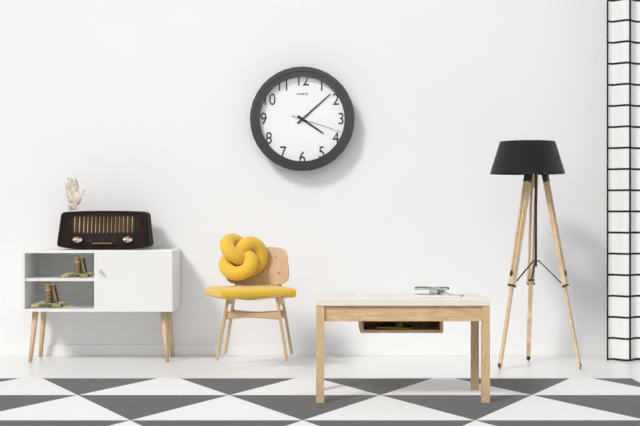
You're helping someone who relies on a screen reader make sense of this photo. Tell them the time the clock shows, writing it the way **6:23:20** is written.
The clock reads **4:08:18**
